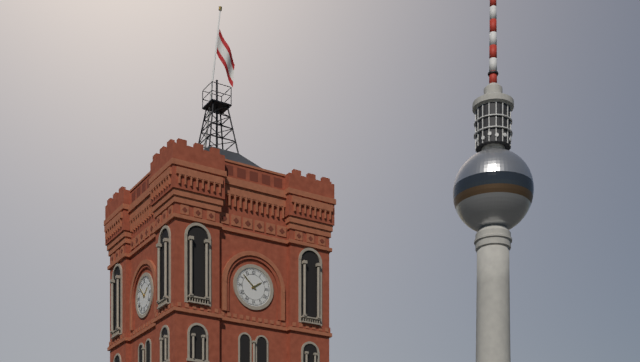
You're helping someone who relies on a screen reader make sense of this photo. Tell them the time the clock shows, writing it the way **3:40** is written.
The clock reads **1:52**
